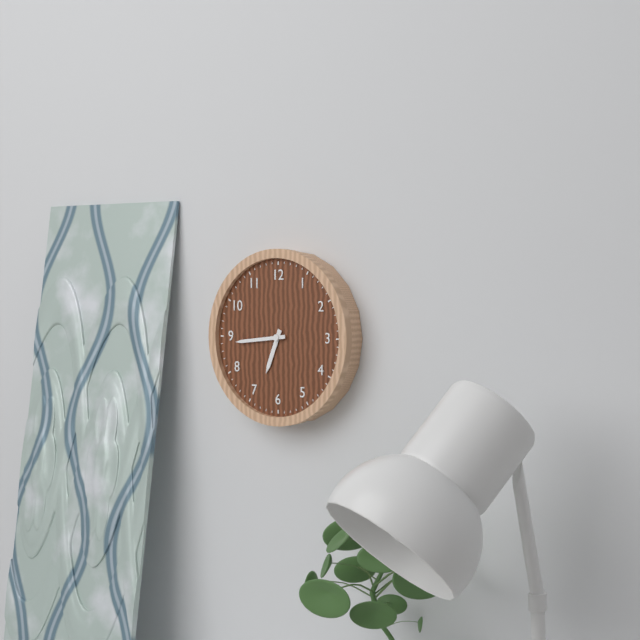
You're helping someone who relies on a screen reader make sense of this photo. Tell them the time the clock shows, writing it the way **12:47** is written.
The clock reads **6:44**
